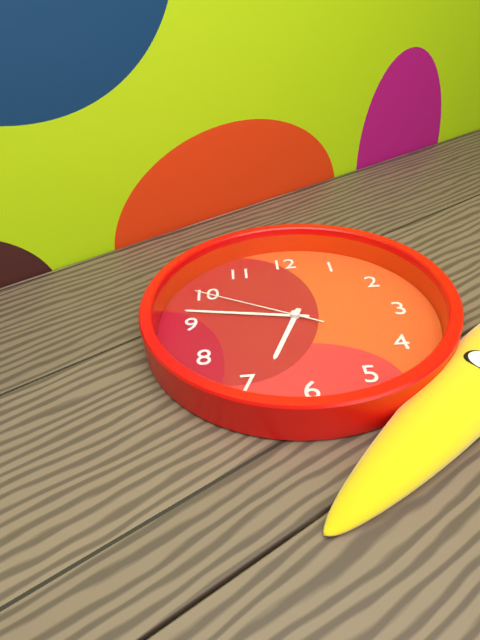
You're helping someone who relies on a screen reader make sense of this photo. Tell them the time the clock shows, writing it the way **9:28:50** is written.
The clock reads **6:47:50**
